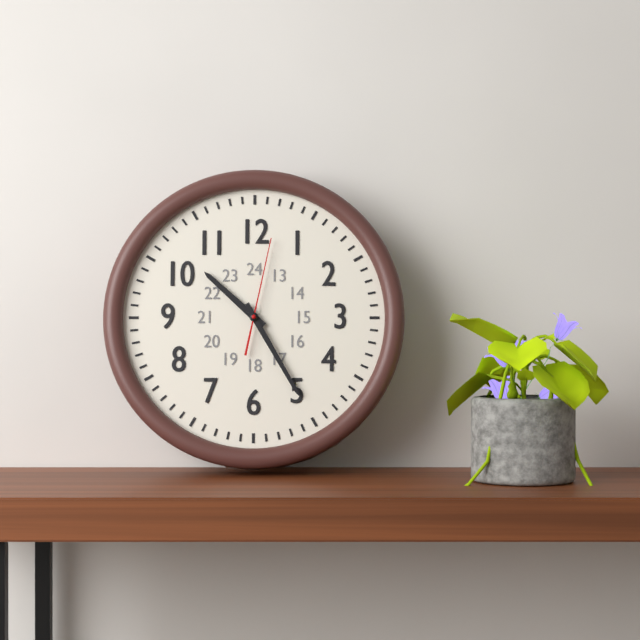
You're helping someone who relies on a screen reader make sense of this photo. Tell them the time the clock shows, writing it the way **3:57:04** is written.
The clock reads **10:25:02**
